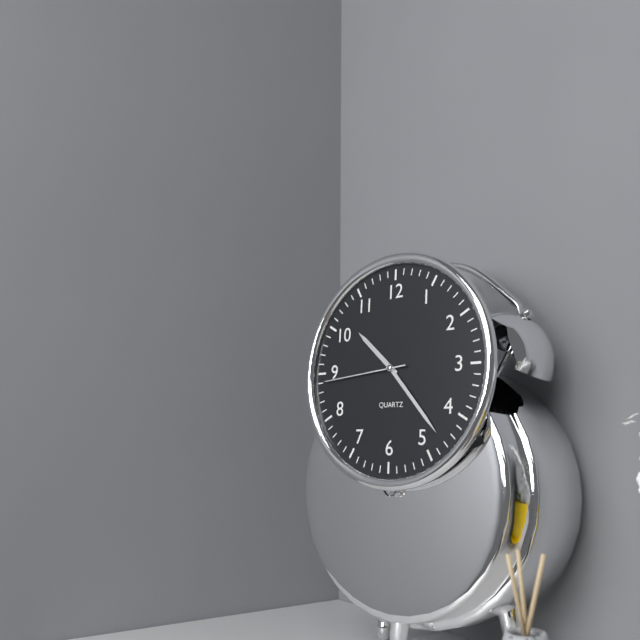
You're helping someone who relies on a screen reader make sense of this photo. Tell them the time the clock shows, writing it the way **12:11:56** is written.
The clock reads **10:23:44**
